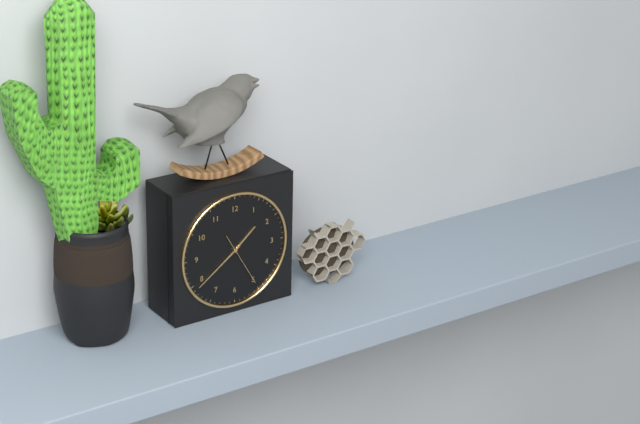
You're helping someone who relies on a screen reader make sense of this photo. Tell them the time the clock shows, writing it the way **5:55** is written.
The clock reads **1:39**
